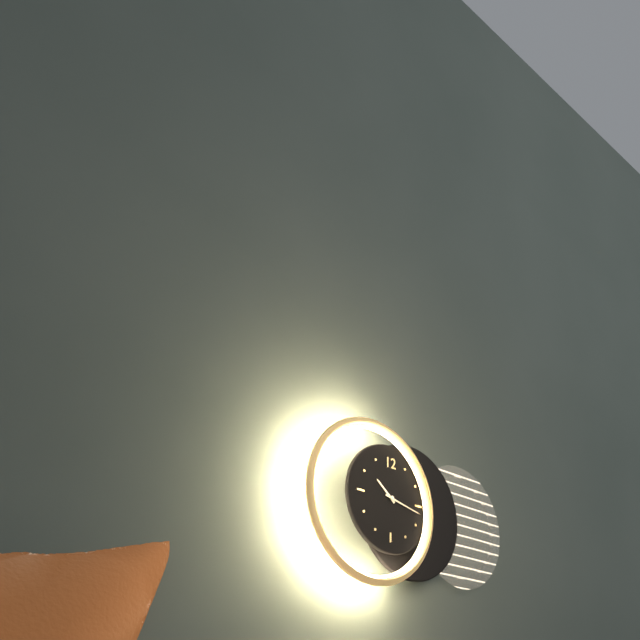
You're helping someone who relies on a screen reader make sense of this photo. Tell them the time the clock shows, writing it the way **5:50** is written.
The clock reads **10:17**
